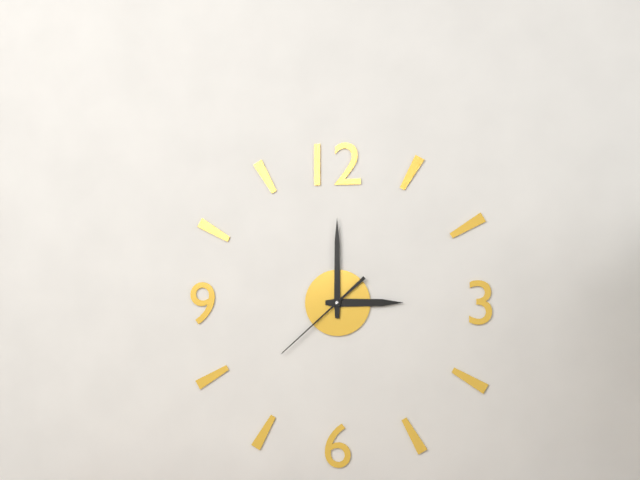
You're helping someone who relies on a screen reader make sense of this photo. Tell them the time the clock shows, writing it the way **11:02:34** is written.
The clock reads **3:00:38**
